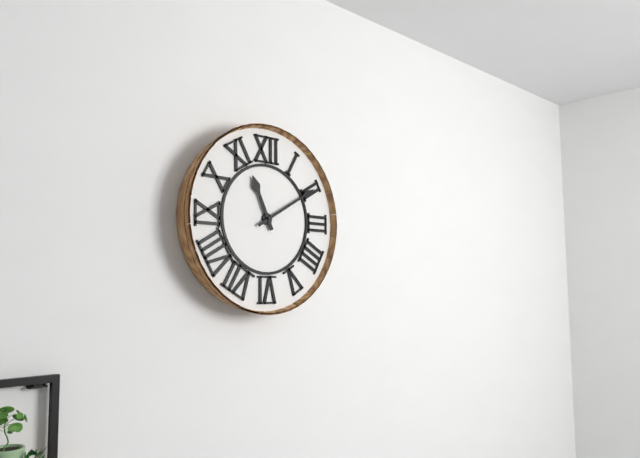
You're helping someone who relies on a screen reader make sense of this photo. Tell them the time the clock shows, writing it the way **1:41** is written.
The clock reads **11:10**
